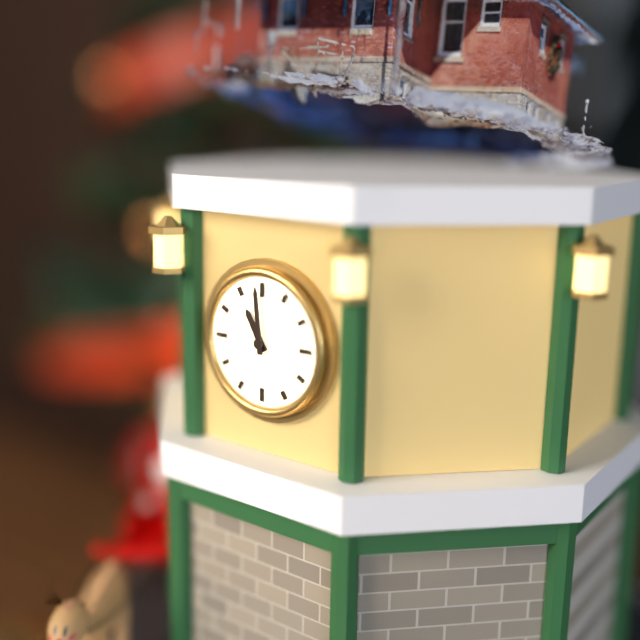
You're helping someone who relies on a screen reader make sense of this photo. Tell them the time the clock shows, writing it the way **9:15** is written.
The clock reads **10:59**
